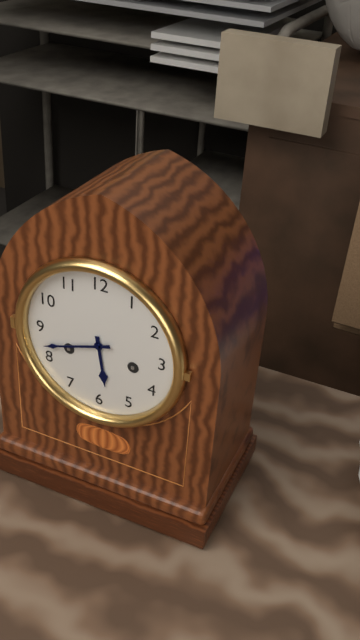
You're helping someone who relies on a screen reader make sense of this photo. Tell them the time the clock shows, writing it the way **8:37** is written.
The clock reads **5:42**
